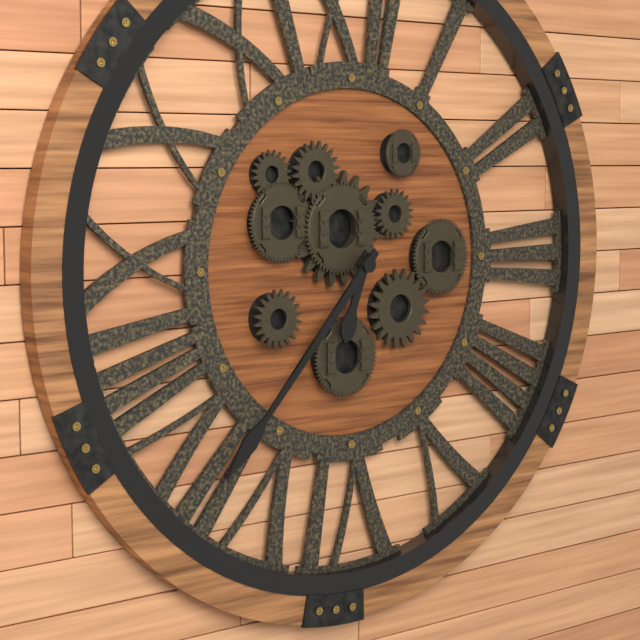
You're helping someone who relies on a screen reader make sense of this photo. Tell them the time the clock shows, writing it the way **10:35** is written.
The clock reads **6:37**
